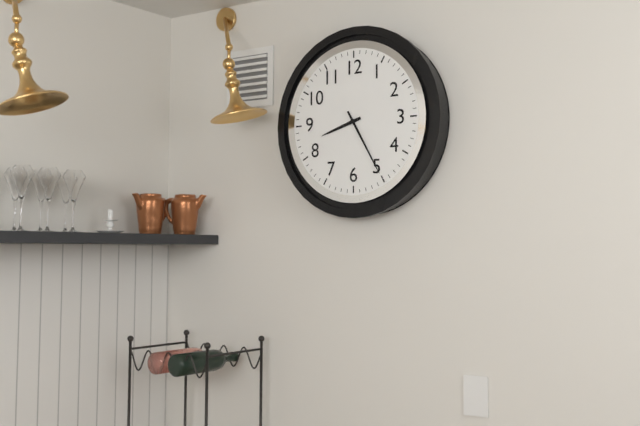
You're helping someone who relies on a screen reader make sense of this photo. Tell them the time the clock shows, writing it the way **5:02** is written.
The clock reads **8:25**
